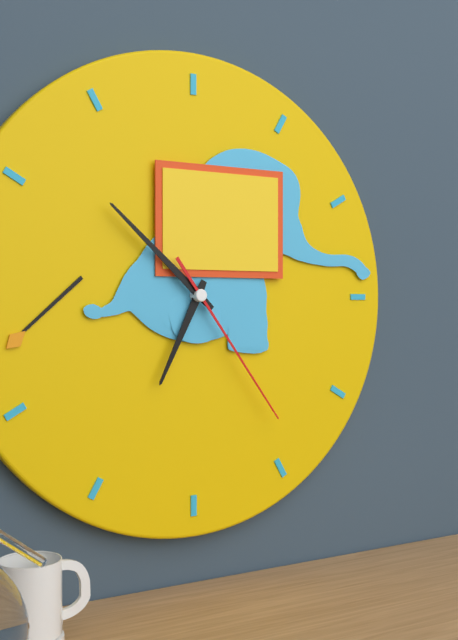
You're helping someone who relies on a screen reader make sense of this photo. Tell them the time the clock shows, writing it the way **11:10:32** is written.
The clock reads **6:52:24**
